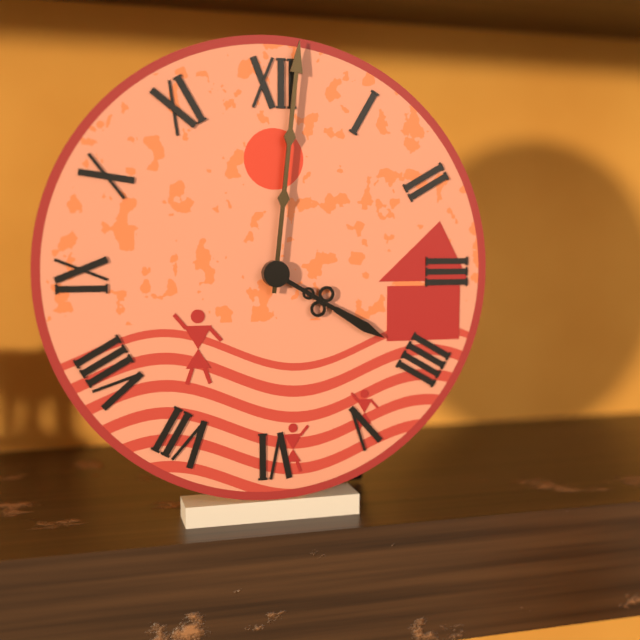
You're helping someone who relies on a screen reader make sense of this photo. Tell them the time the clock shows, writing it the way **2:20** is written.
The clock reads **4:01**
